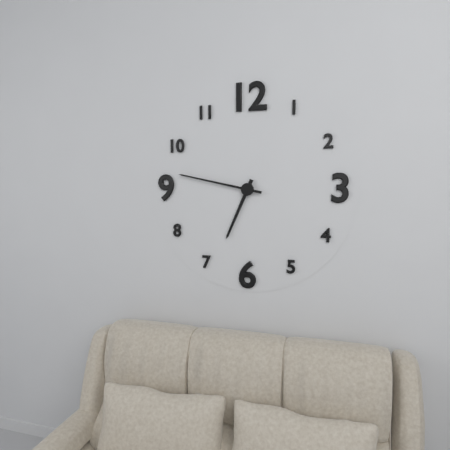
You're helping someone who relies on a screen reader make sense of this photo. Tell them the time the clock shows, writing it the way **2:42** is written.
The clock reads **6:47**
